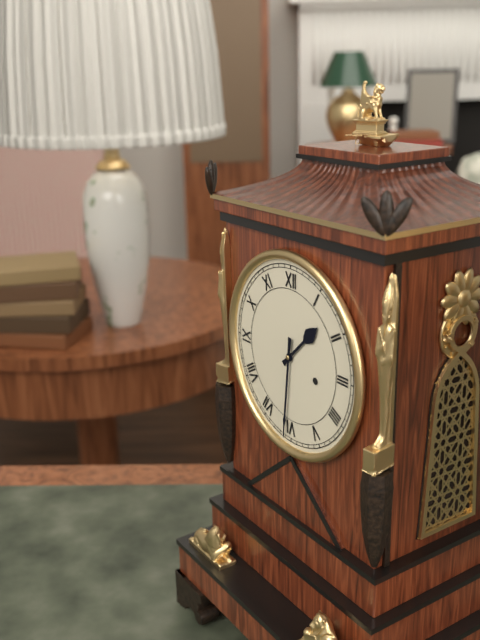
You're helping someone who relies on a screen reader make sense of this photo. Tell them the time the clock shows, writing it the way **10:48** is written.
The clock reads **1:31**
